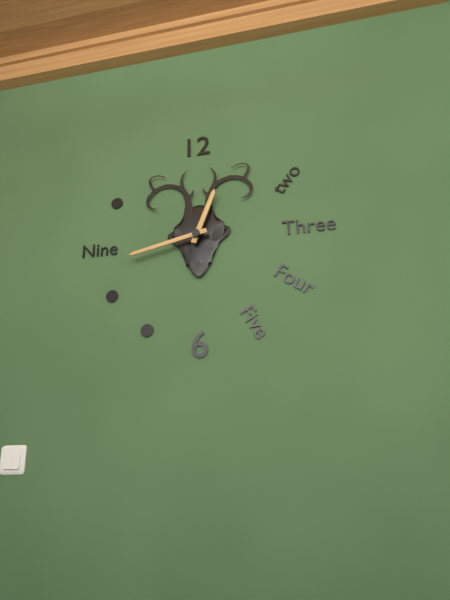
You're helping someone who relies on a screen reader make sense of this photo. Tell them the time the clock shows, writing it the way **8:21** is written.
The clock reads **12:43**
